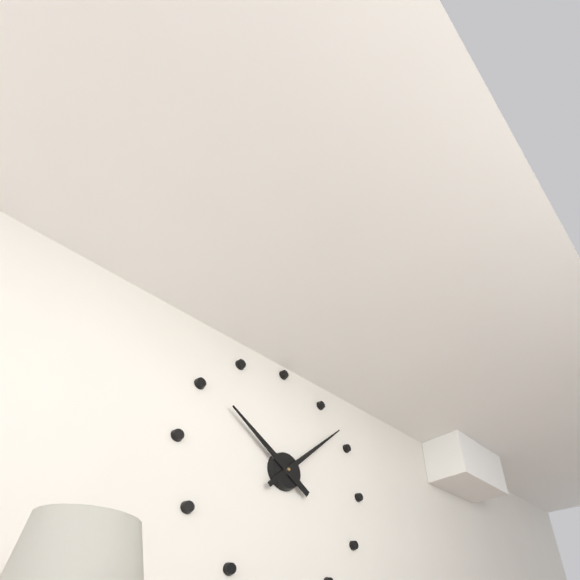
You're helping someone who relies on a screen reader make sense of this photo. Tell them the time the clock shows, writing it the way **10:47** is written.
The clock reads **10:08**
